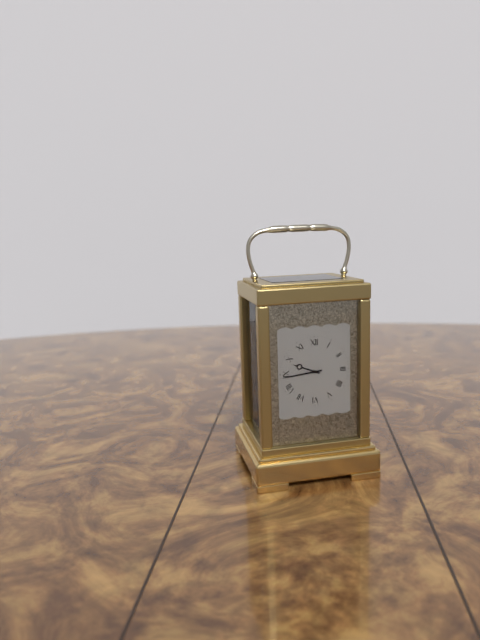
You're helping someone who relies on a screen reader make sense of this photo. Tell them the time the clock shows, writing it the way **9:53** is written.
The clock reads **9:44**
